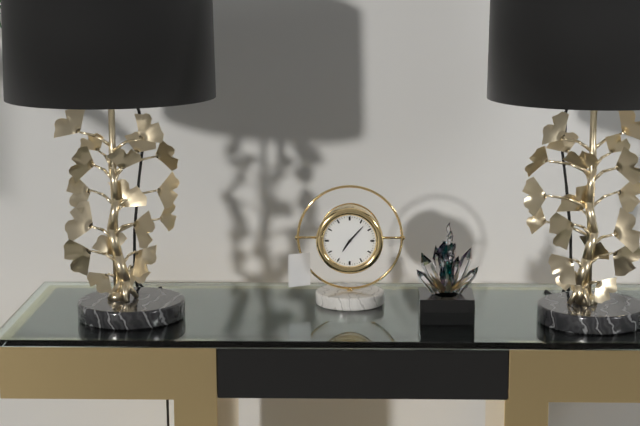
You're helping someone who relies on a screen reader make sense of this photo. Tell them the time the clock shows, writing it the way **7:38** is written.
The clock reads **7:07**
